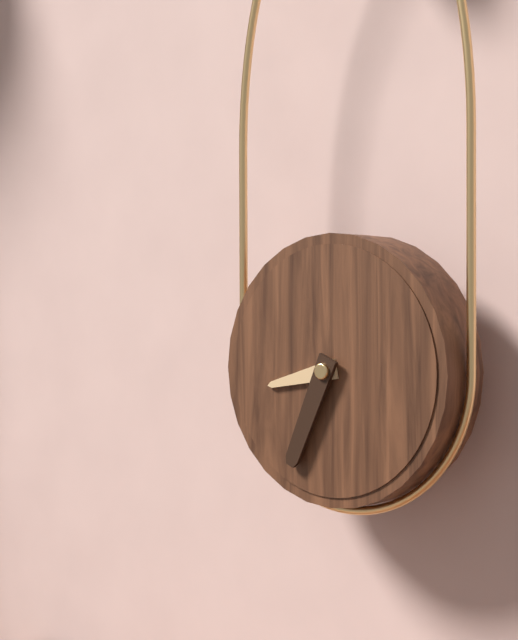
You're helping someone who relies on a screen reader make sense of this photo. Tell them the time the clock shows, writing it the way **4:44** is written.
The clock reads **8:34**
